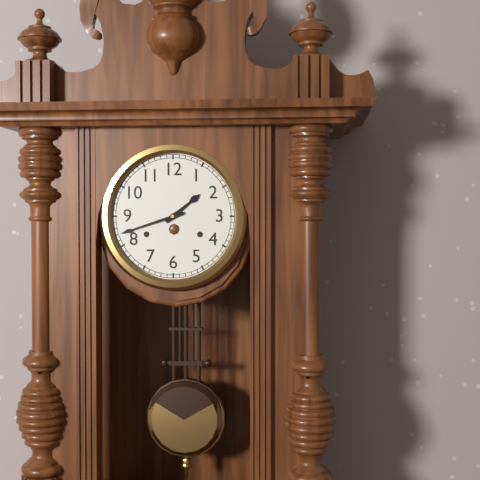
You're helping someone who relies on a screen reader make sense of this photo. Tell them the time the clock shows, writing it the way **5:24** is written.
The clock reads **1:42**
